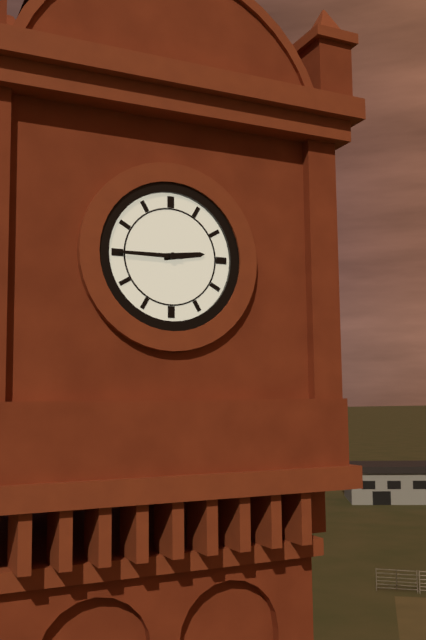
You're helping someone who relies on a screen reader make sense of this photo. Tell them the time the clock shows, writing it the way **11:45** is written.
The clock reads **2:45**
